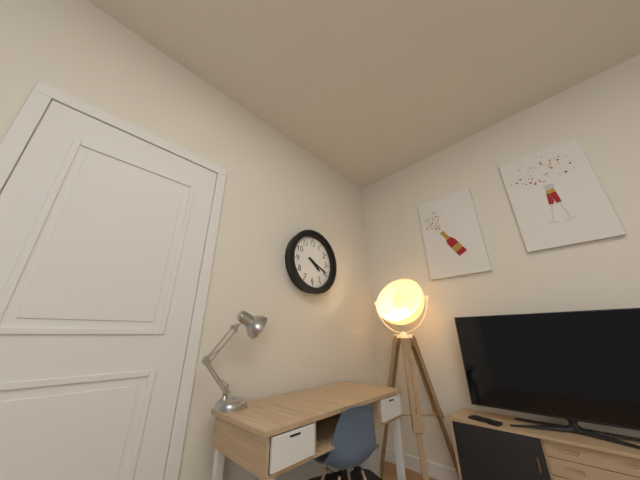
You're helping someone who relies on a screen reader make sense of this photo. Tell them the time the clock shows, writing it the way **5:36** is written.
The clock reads **4:19**
